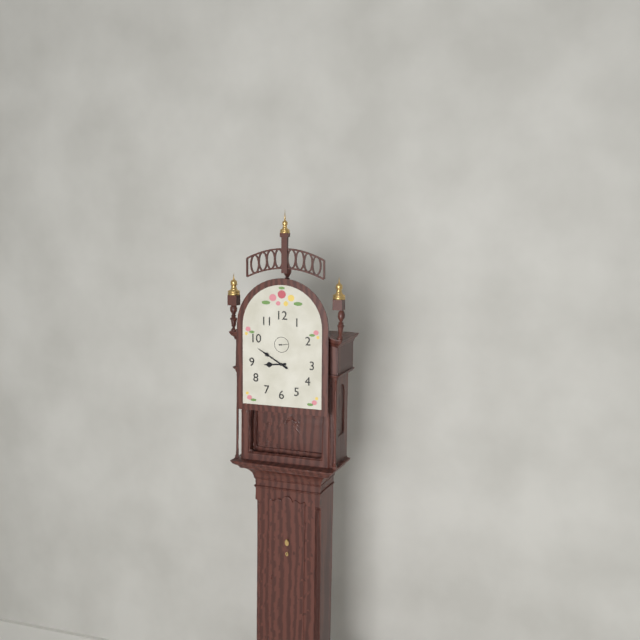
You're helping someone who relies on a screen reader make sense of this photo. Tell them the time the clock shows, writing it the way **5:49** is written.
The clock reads **8:50**
